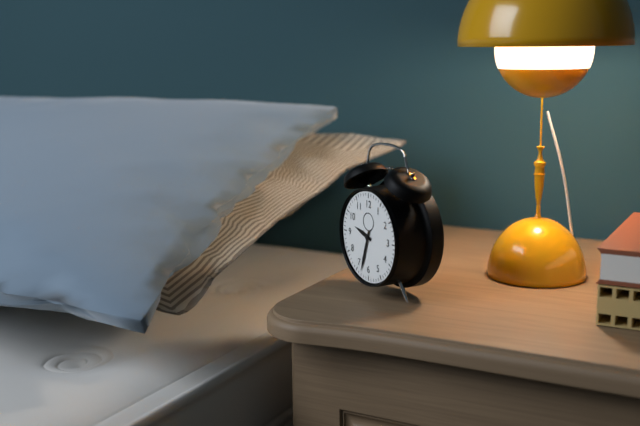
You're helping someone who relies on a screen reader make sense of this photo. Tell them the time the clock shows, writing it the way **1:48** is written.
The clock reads **9:33**
